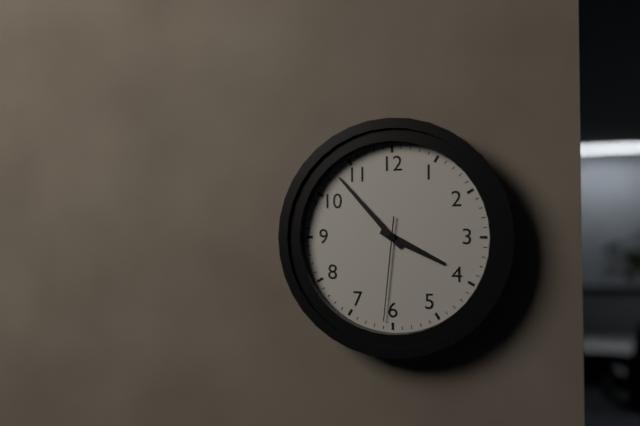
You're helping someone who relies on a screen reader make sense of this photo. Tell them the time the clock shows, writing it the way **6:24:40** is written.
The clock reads **3:53:31**
